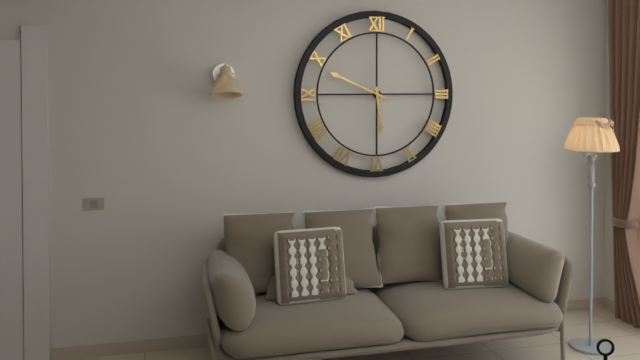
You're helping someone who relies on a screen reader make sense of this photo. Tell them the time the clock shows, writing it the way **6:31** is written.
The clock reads **5:49**
